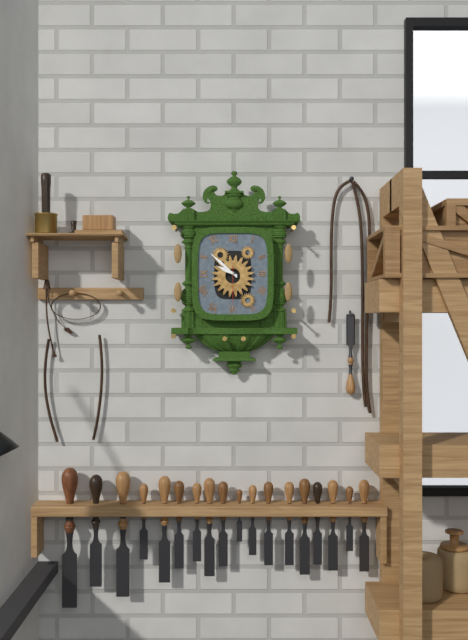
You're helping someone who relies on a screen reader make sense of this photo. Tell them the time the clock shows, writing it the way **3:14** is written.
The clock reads **9:52**
